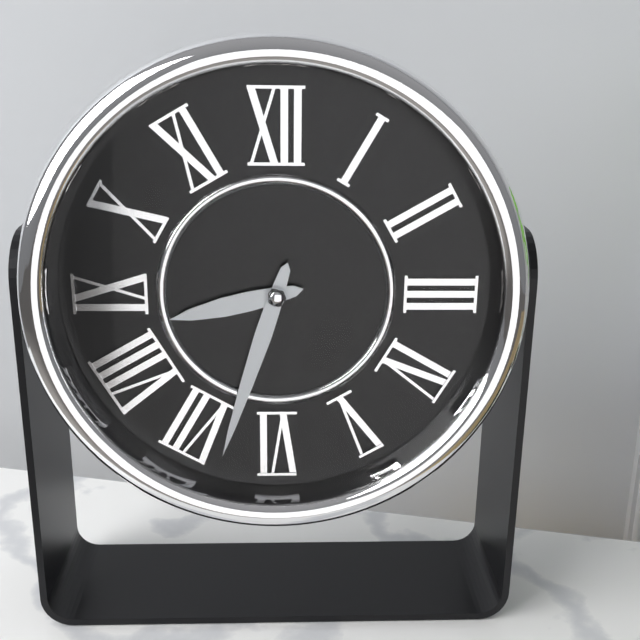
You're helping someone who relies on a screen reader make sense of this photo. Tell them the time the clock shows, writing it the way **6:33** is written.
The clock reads **8:33**
